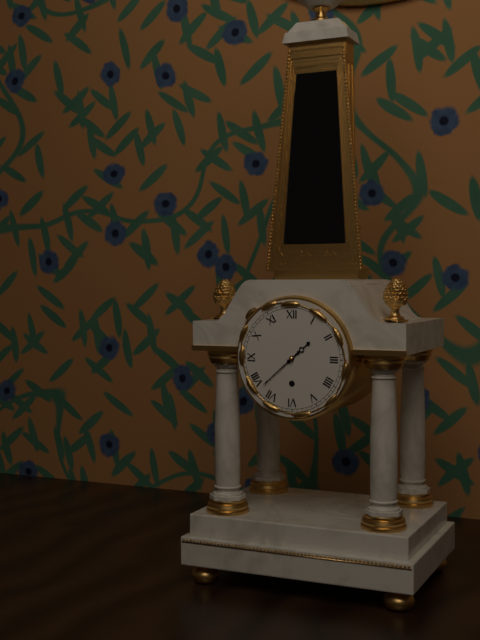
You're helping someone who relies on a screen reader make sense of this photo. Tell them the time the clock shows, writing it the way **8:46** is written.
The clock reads **1:38**
